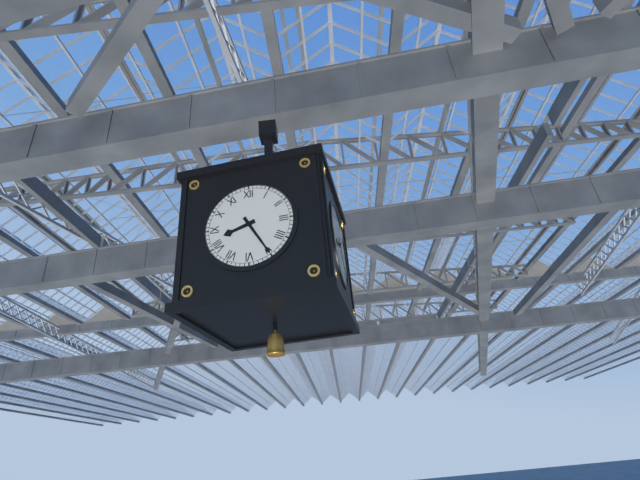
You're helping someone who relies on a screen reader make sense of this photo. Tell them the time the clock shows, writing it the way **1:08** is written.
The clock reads **8:25**
